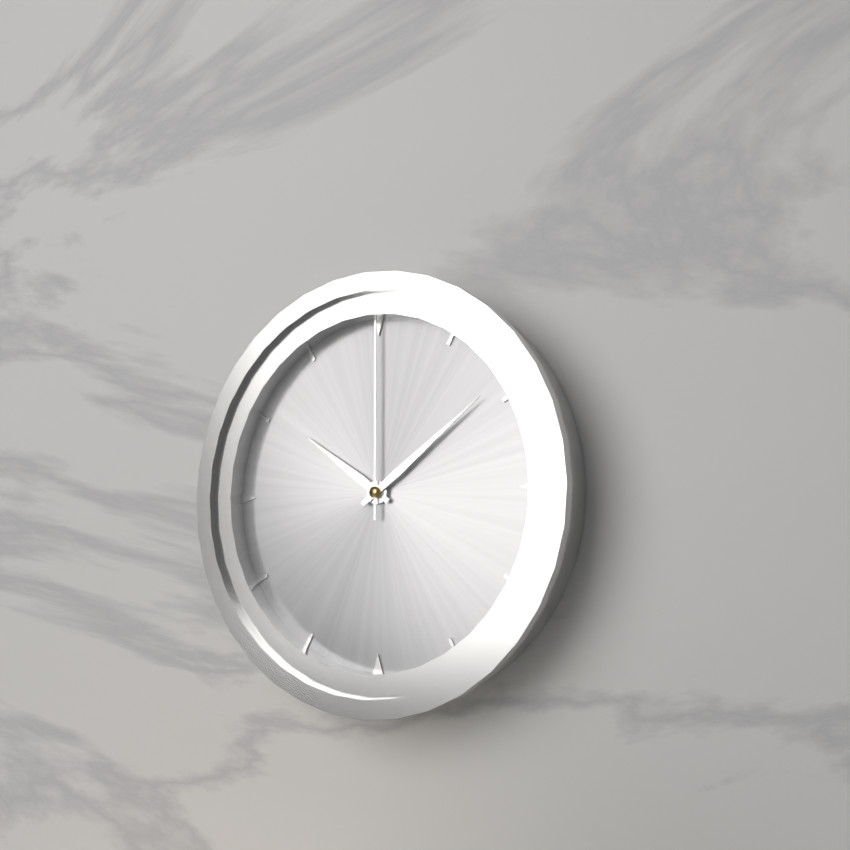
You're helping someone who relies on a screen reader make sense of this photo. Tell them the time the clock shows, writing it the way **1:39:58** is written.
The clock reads **10:09:00**
